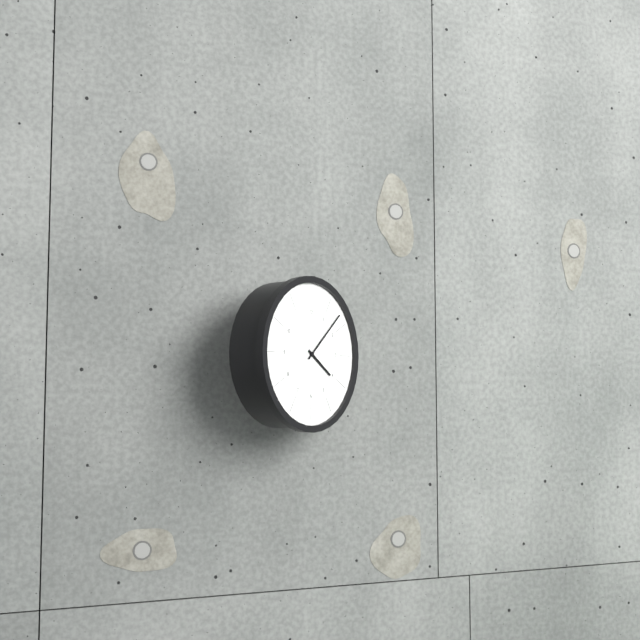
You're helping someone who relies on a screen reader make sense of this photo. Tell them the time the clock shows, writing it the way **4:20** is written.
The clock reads **4:08**
